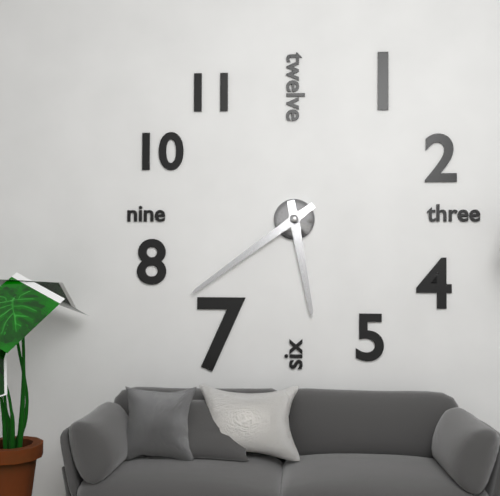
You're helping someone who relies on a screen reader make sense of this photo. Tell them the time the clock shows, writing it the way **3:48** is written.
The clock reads **5:39**
